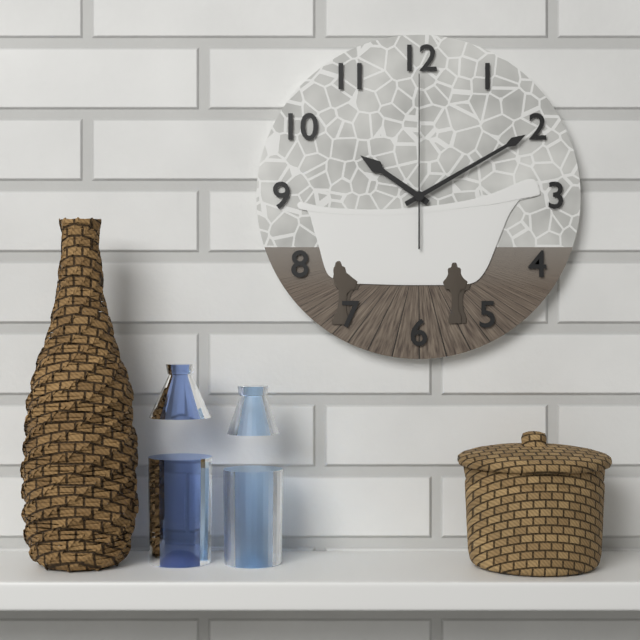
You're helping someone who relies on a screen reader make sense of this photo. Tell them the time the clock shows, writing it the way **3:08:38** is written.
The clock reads **10:10:00**
